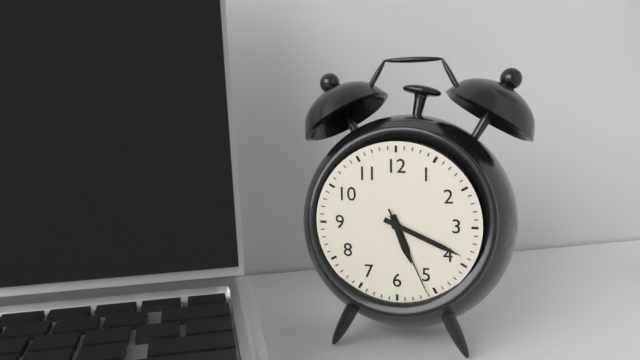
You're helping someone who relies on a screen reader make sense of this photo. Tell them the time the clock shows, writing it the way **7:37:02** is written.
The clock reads **5:19:26**
